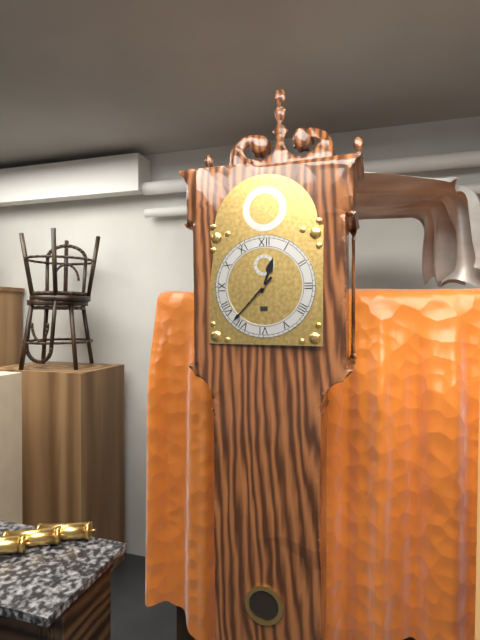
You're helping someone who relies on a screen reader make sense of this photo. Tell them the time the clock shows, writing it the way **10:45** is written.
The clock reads **12:37**
